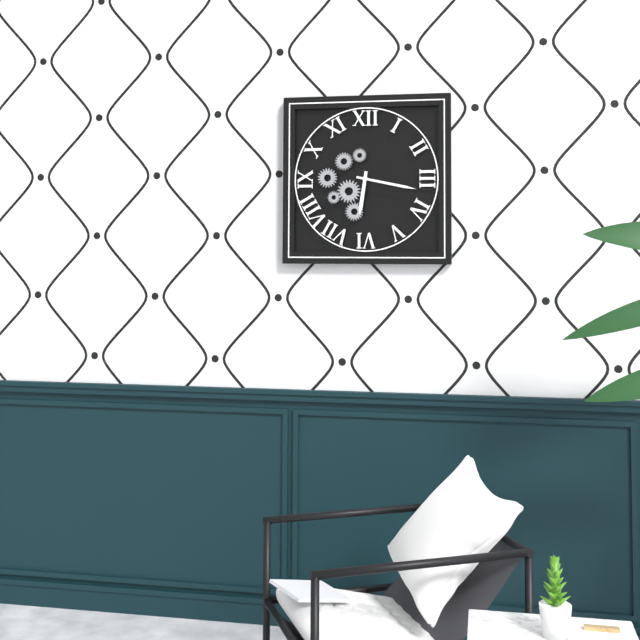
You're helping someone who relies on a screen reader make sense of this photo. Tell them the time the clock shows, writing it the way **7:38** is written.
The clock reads **6:17**
